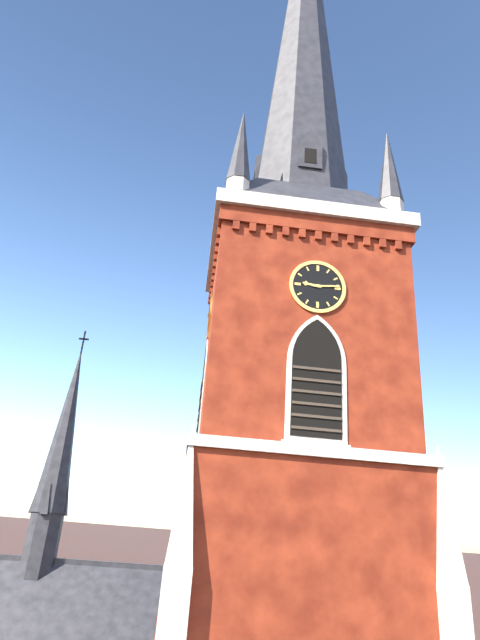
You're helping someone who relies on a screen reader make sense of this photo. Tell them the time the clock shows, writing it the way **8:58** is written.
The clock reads **9:14**
